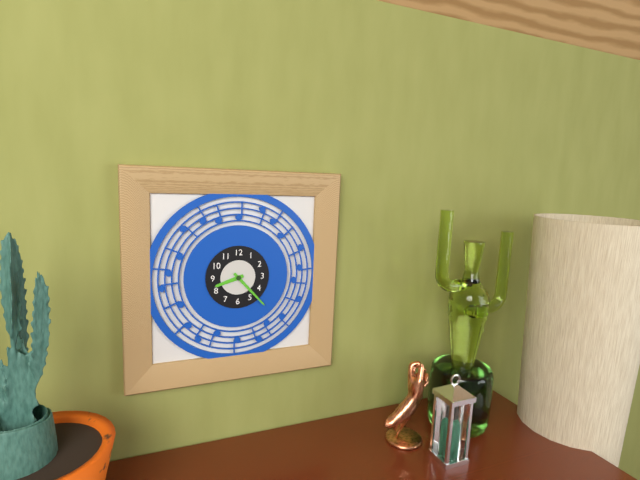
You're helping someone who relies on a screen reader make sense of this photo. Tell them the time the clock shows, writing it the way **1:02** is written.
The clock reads **8:23**
